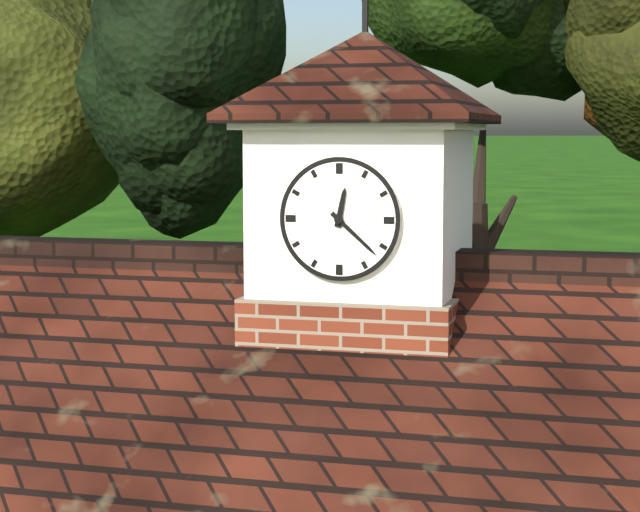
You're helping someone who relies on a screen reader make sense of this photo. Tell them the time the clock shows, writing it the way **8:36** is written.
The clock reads **12:22**
